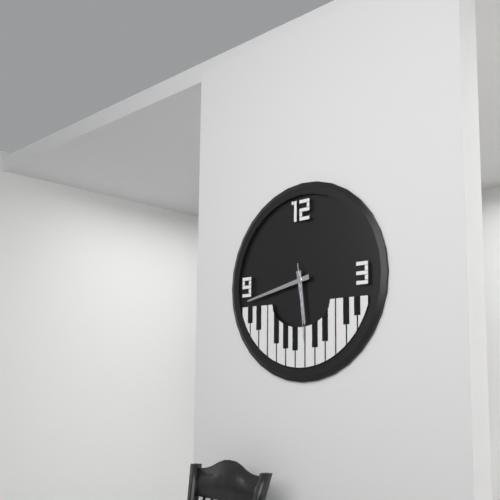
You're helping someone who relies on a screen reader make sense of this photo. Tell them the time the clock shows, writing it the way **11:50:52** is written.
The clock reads **5:43:29**
